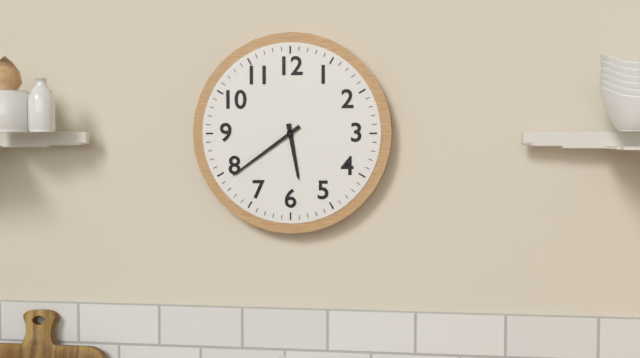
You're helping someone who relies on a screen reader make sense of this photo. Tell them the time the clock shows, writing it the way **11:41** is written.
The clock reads **5:39**
